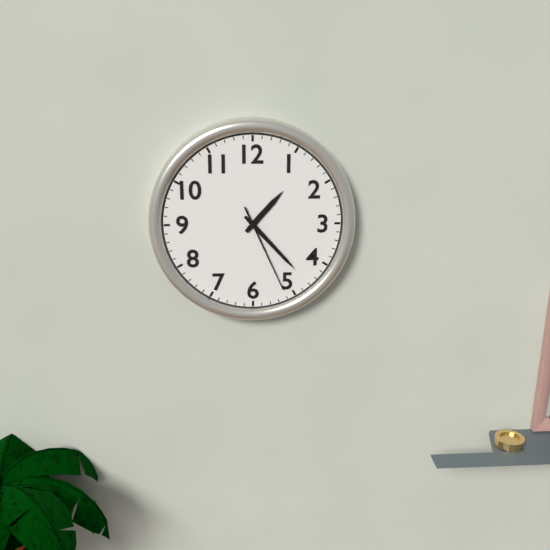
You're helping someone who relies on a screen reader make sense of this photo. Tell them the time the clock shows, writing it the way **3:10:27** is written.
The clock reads **1:23:26**
